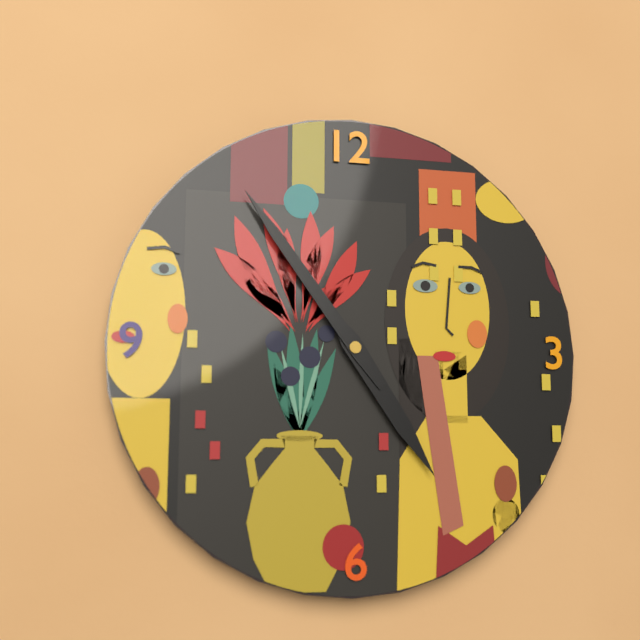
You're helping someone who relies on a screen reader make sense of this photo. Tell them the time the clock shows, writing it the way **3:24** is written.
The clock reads **4:54**
